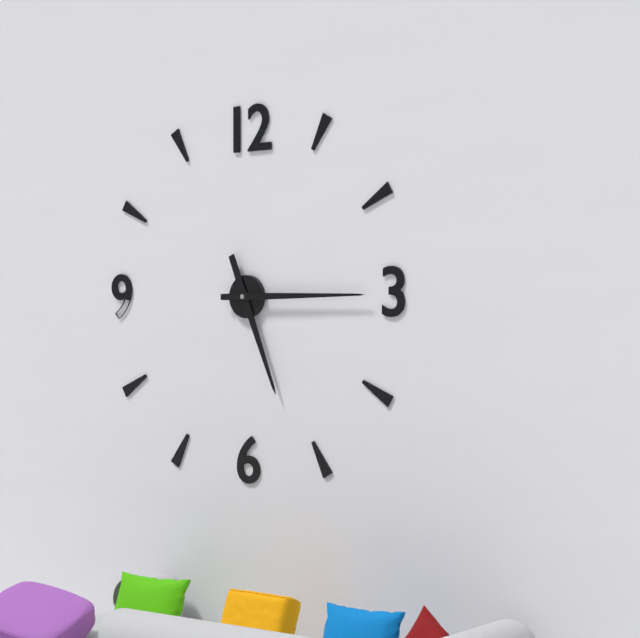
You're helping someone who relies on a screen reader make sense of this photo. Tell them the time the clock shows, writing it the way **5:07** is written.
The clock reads **5:15**
